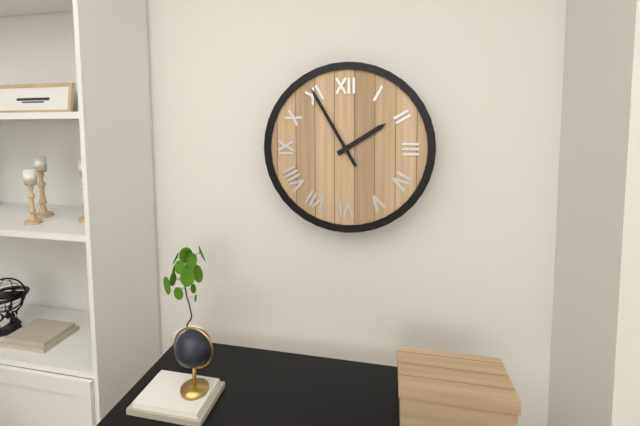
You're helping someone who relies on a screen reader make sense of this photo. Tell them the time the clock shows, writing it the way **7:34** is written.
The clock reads **1:55**
